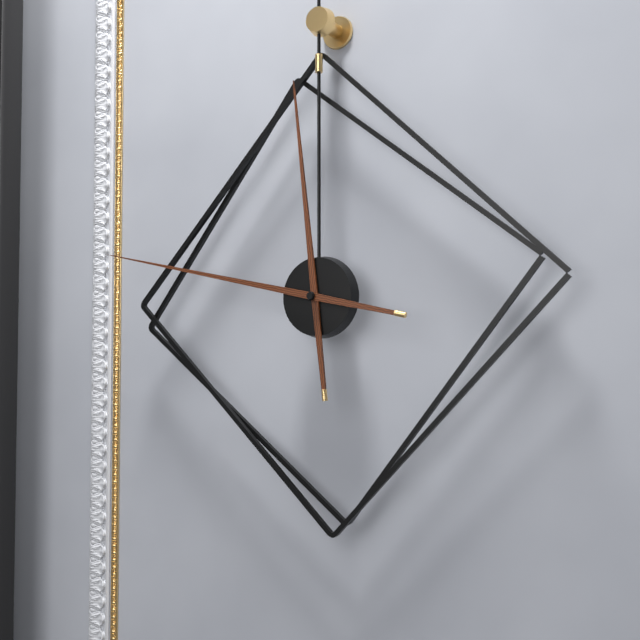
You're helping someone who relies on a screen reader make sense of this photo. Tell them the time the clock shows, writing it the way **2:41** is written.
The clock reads **11:47**
